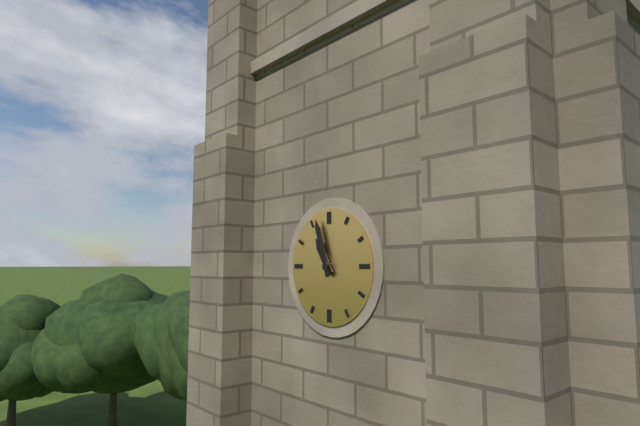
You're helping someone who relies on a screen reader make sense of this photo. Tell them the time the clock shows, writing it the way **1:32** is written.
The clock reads **10:57**
